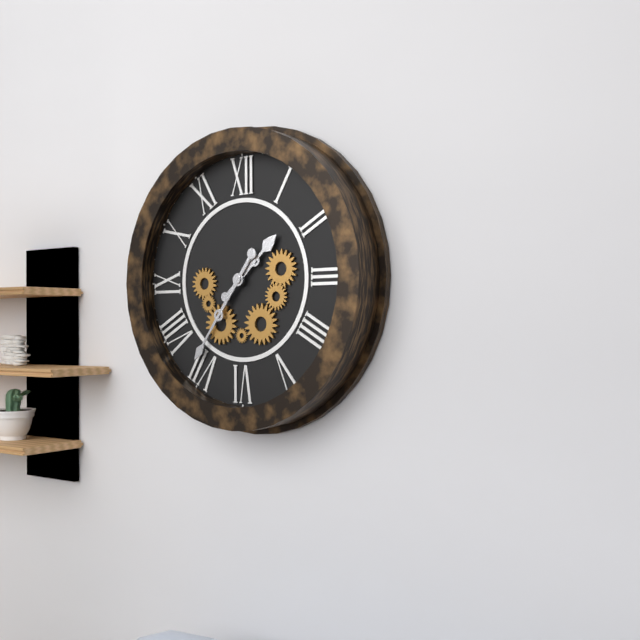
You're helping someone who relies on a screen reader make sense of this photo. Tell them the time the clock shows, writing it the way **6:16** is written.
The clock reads **1:36**
